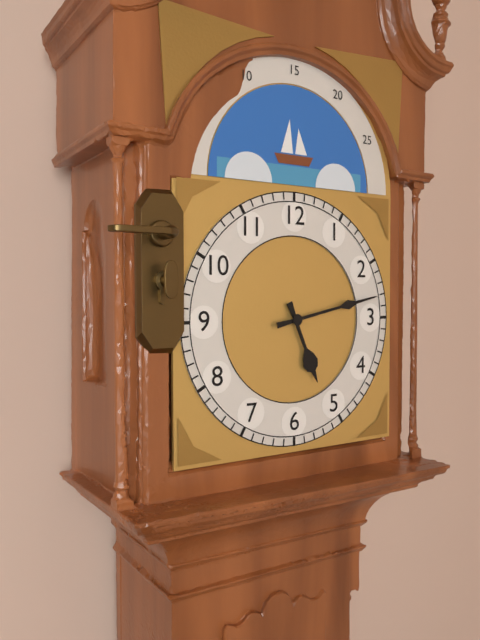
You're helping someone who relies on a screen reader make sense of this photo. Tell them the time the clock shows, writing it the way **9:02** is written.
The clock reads **5:13**
